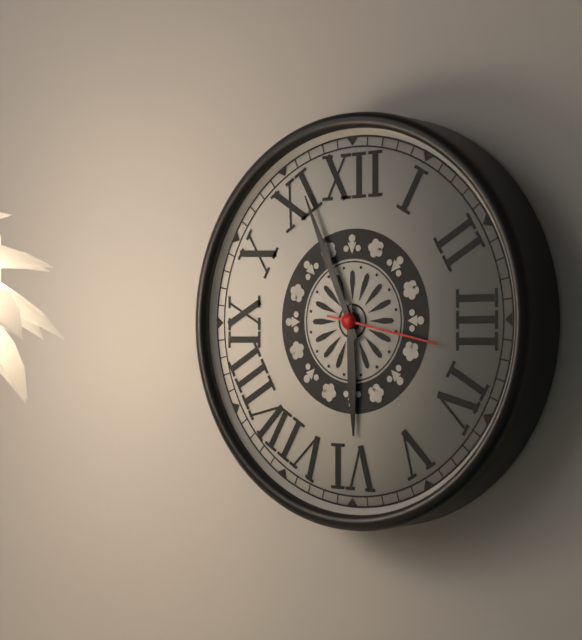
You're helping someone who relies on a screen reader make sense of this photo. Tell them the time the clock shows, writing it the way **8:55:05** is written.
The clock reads **5:56:17**
